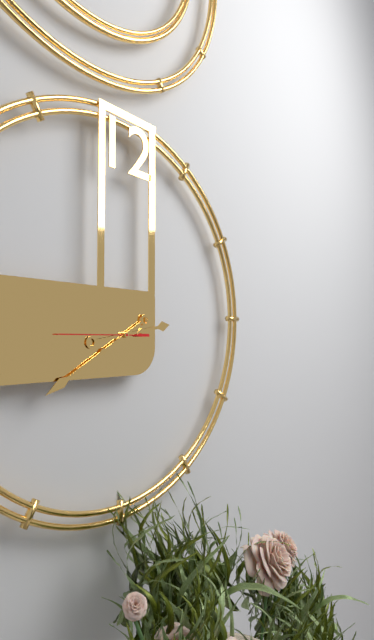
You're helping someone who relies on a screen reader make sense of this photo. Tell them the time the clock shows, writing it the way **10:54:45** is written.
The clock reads **2:40:45**
